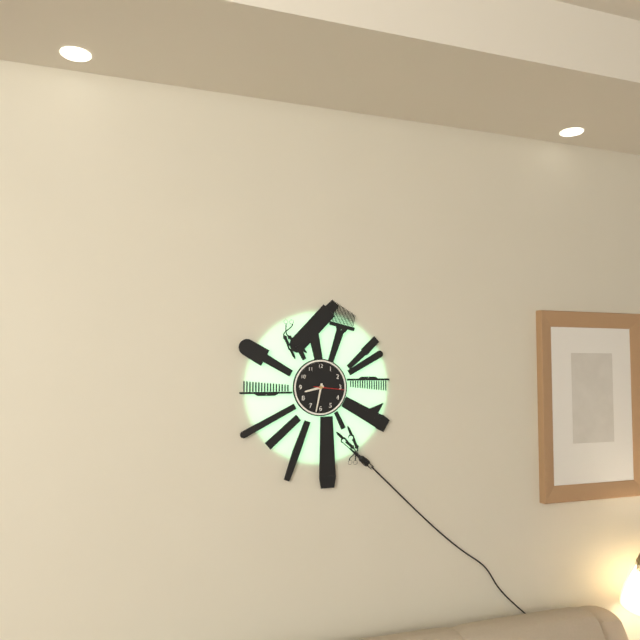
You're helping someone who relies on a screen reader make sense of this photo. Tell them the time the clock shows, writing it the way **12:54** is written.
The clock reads **8:32**
